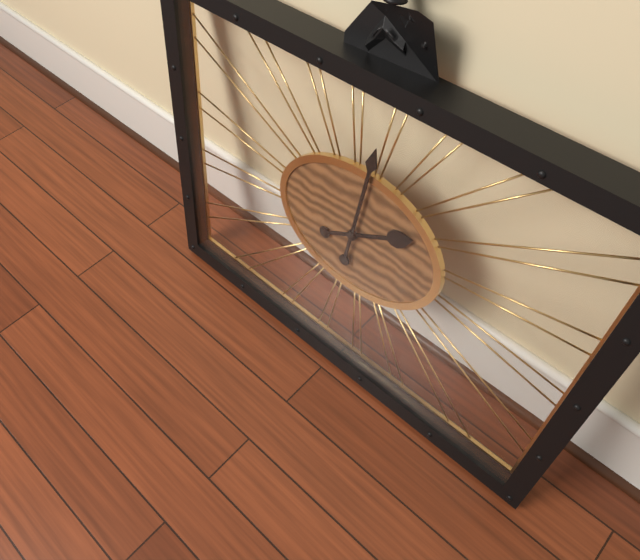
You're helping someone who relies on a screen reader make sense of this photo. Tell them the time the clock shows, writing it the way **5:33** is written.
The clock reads **2:01**
